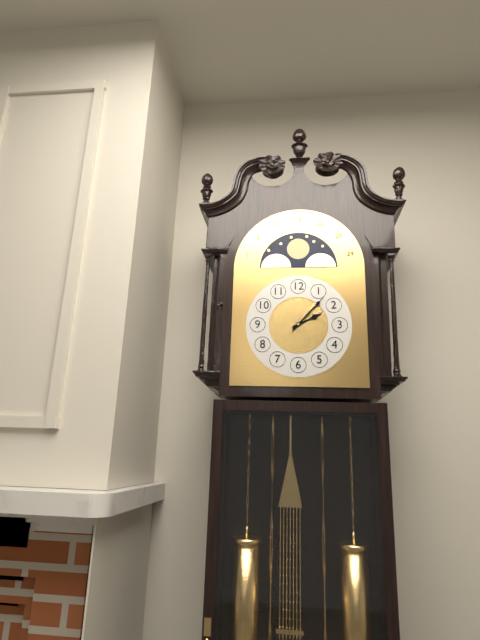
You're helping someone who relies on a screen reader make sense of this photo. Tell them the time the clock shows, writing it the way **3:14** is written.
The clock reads **2:07**
